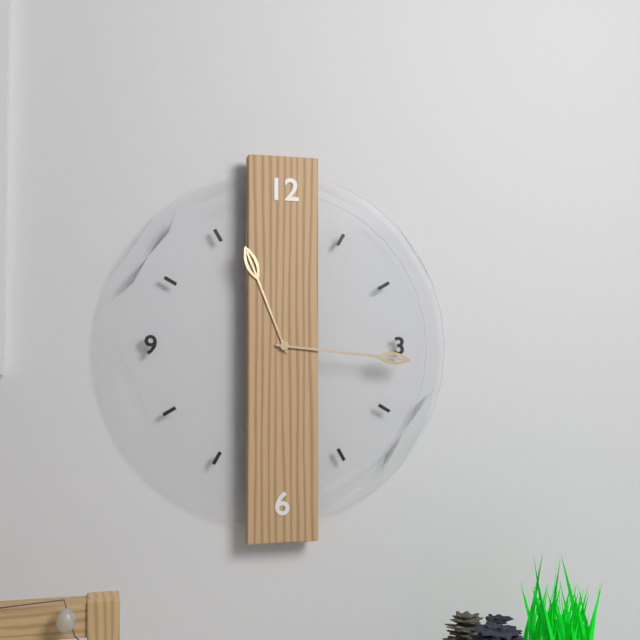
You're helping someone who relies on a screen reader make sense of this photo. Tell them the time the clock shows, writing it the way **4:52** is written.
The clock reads **11:16**
